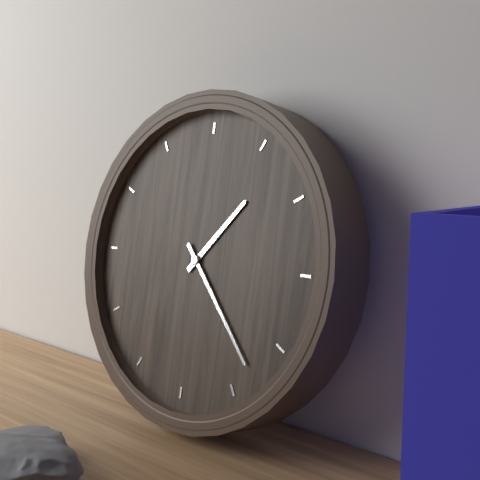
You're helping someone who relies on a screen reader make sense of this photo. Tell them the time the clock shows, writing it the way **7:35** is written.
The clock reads **1:23**
